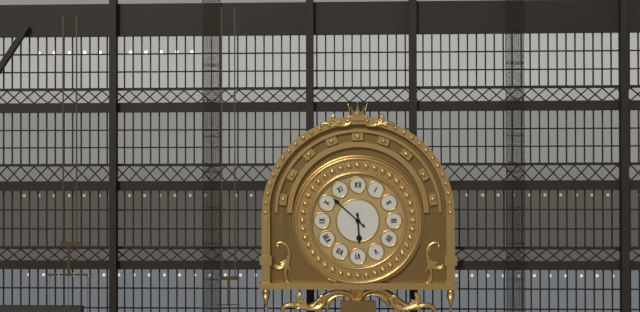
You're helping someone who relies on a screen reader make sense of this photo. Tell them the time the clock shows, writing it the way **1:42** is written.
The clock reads **5:52**
